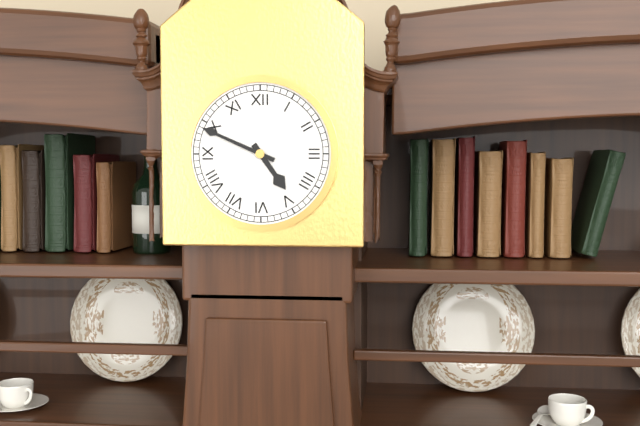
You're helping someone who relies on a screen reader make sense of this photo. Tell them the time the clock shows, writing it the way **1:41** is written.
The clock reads **4:49**
